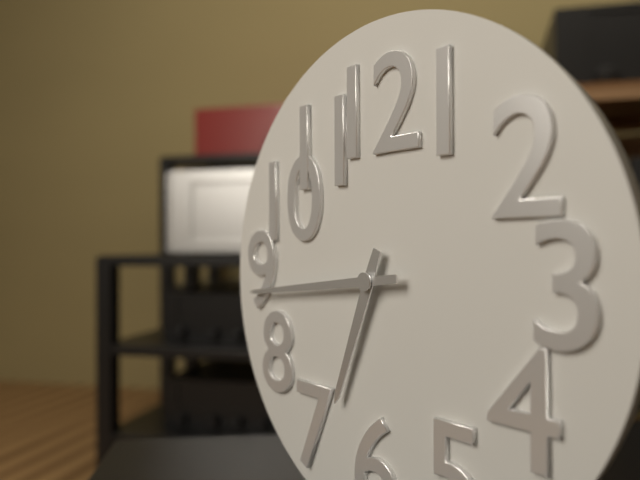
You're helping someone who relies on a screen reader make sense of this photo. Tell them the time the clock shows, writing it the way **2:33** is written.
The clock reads **6:44**
